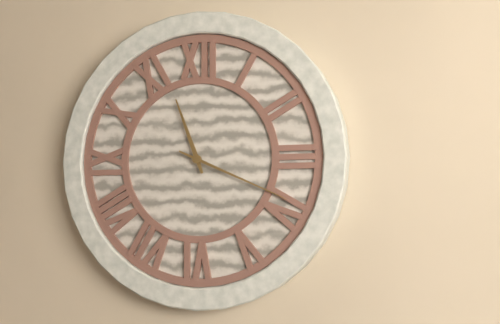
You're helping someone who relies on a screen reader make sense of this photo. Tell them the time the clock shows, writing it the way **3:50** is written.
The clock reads **11:19**
